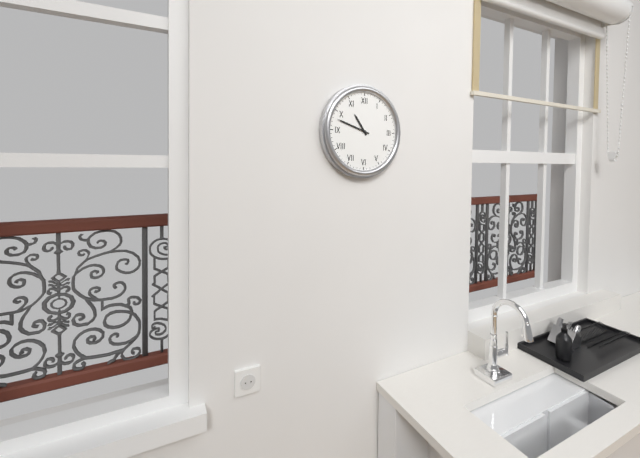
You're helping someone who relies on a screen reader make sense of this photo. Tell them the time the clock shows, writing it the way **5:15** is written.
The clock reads **10:48**
